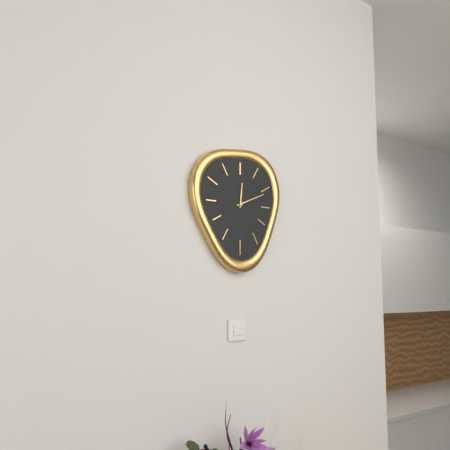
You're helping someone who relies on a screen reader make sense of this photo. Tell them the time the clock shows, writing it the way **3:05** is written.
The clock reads **12:11**
